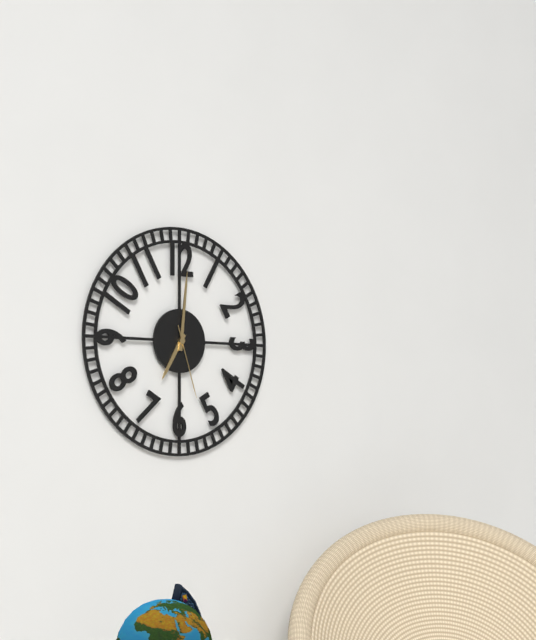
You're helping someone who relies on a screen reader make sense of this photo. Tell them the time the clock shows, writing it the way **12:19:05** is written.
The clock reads **7:01:27**
